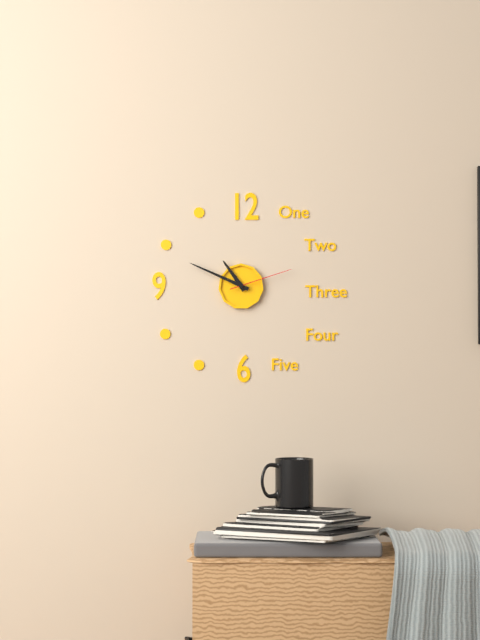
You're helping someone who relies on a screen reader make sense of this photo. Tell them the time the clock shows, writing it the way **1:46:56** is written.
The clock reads **10:49:12**
